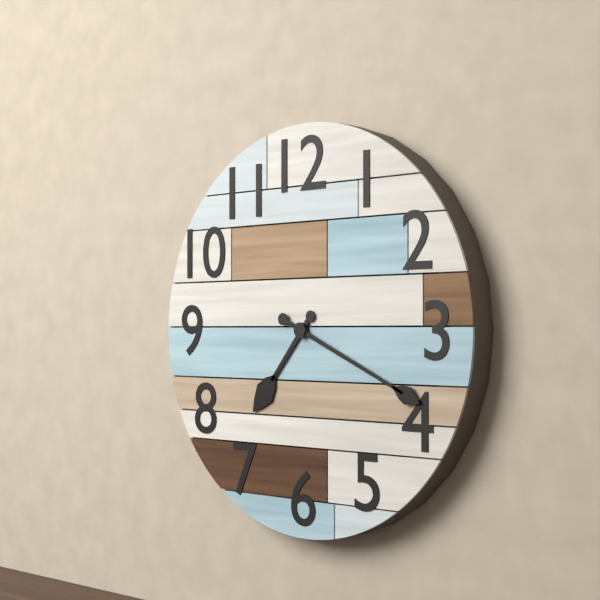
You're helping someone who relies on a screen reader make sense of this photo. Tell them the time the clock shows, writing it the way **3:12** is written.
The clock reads **7:19**
